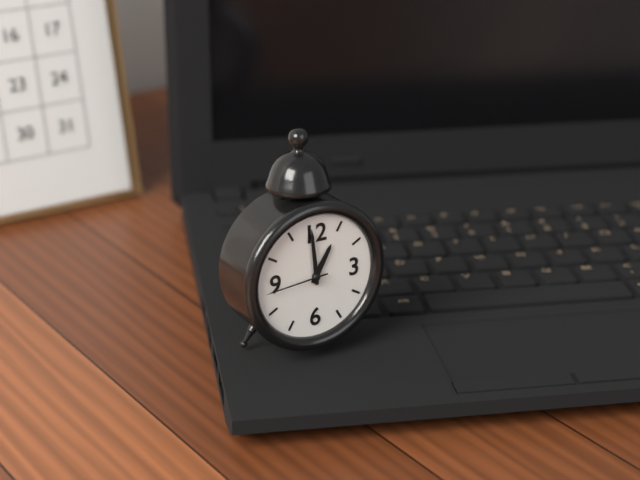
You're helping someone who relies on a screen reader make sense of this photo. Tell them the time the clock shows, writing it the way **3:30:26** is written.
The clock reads **12:59:44**
